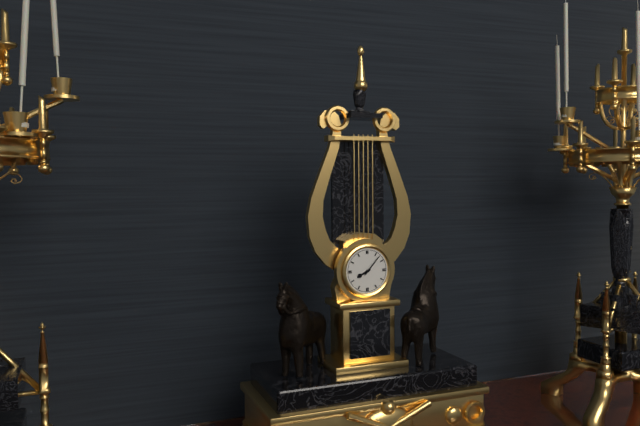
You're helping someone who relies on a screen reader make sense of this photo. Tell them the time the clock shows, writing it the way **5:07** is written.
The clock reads **8:07**
